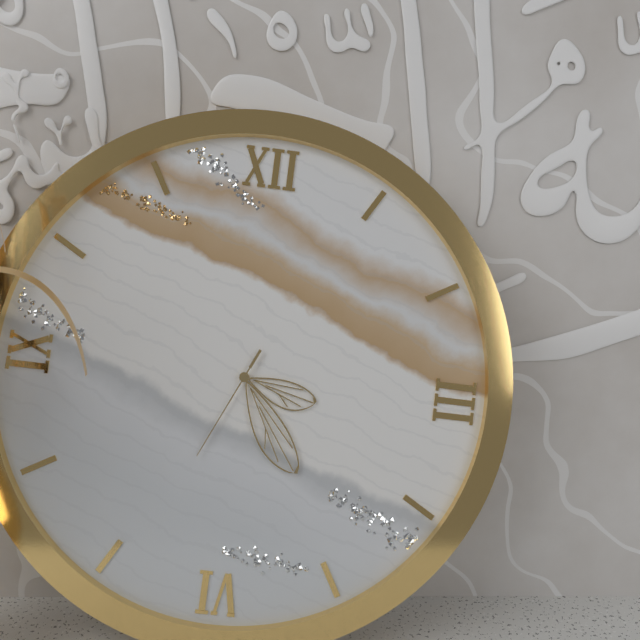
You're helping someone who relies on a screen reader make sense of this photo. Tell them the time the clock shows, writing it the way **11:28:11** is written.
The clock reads **3:24:34**
